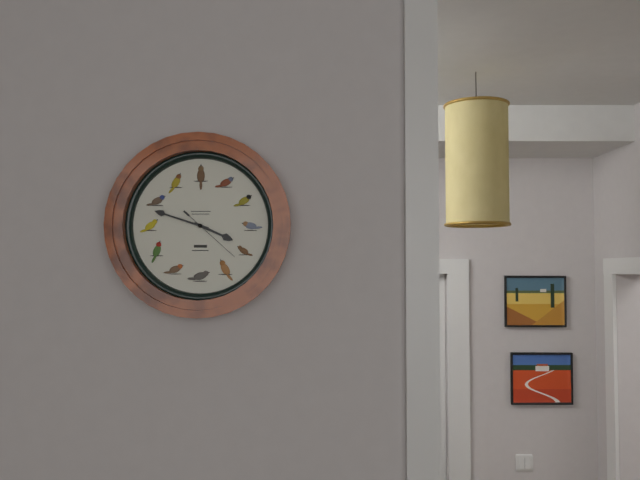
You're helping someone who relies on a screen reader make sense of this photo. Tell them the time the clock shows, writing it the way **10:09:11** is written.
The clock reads **3:48:22**
